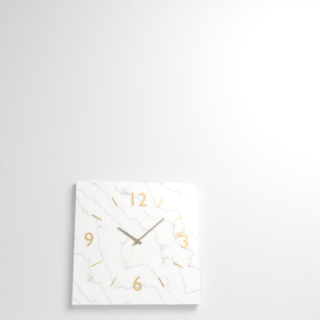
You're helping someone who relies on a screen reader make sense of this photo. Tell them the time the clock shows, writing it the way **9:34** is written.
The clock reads **10:08**
